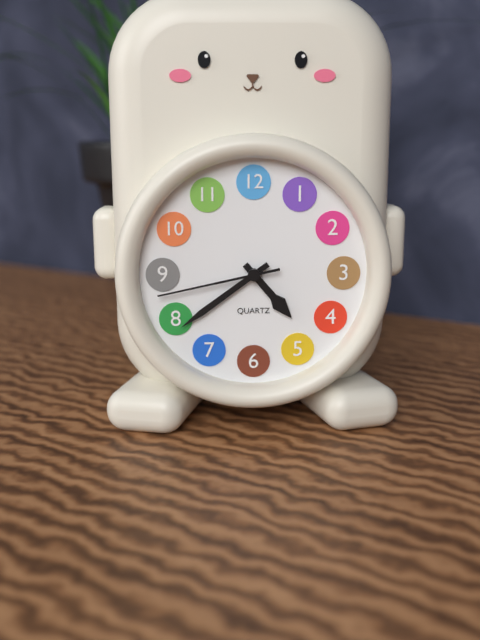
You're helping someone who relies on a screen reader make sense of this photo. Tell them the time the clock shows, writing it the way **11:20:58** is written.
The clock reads **4:39:43**
